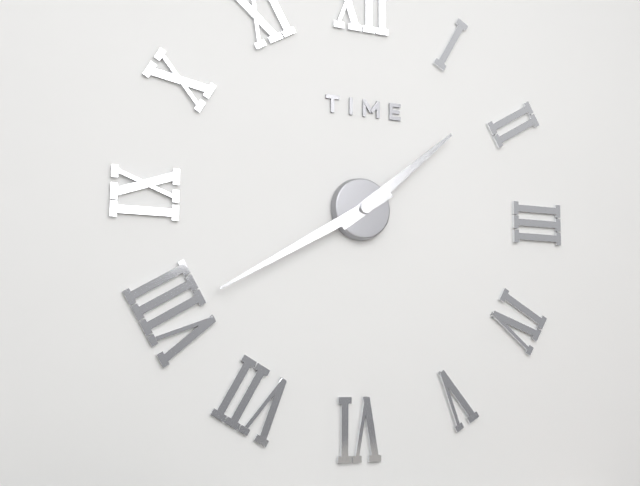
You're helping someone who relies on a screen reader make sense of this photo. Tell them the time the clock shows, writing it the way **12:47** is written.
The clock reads **1:40**
